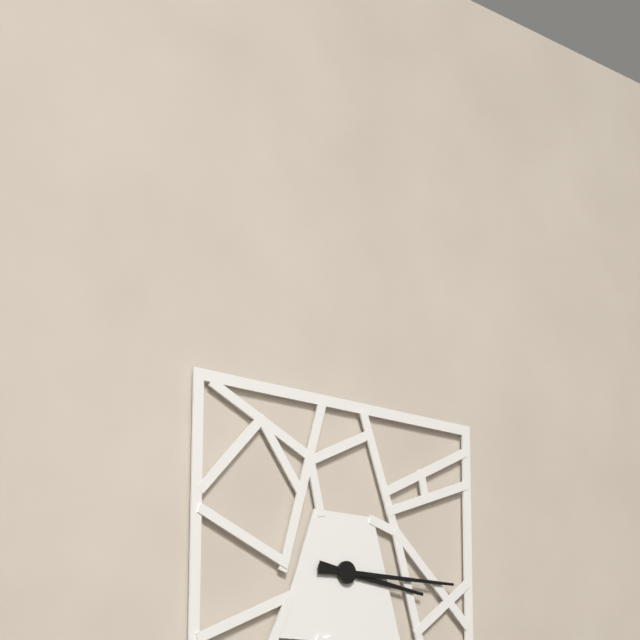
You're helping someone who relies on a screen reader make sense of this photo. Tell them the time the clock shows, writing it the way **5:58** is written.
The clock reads **3:15**
